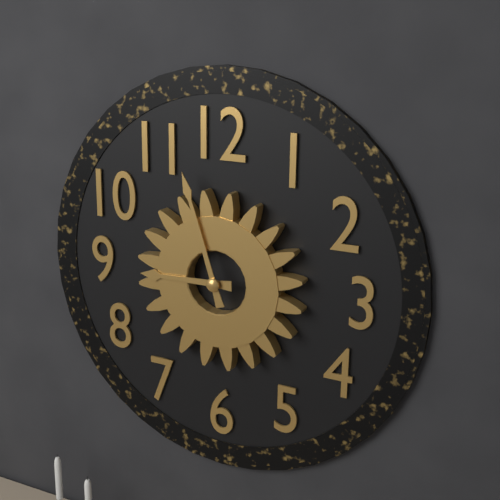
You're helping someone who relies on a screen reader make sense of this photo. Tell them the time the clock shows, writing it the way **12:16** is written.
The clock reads **8:57**
